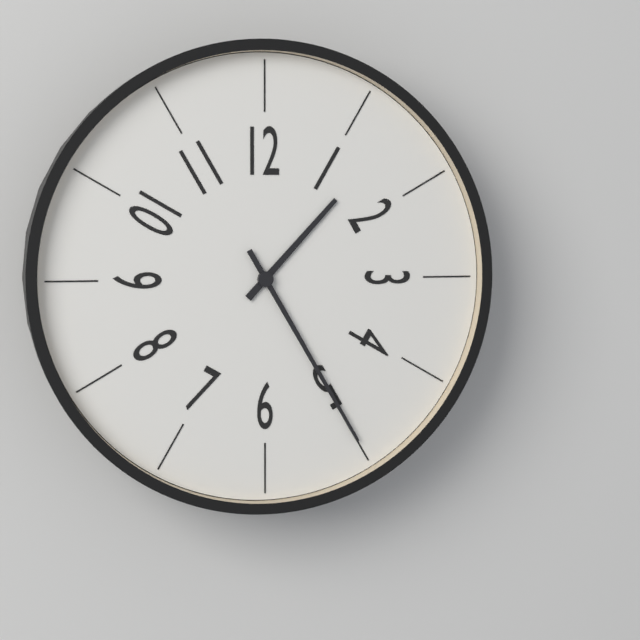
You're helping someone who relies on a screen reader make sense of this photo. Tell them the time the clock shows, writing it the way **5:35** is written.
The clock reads **1:25**
